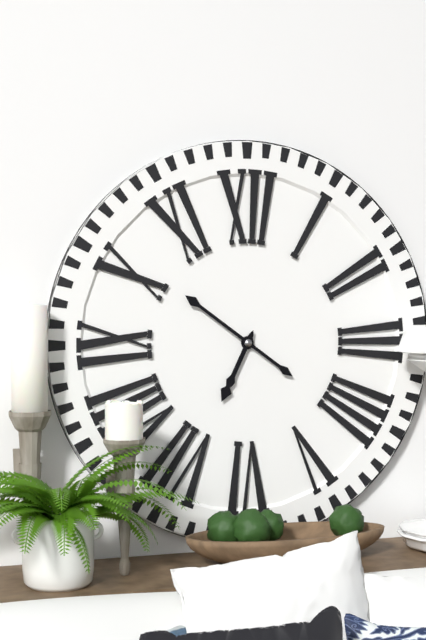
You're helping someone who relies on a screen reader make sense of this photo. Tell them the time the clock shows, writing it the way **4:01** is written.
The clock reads **6:51**
